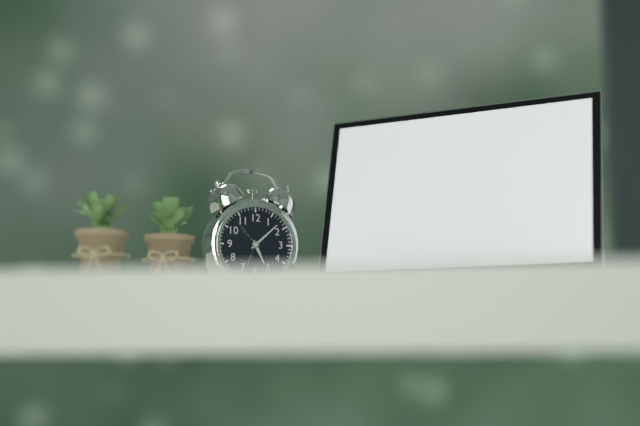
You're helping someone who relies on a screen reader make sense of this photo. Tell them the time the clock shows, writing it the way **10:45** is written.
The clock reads **5:08**
